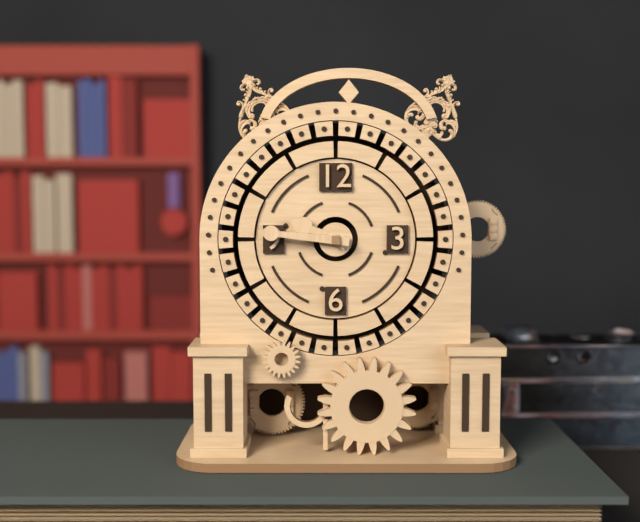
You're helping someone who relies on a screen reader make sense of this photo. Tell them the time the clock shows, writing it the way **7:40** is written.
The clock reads **9:46**
